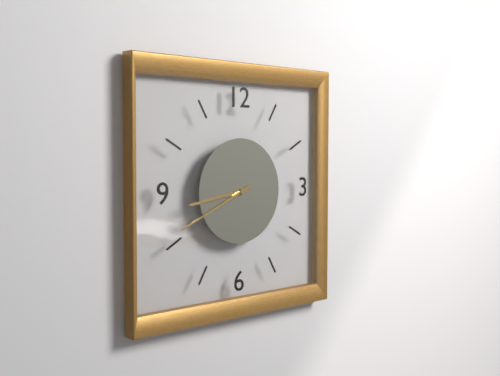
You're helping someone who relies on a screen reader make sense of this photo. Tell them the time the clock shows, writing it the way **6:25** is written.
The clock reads **8:41**
